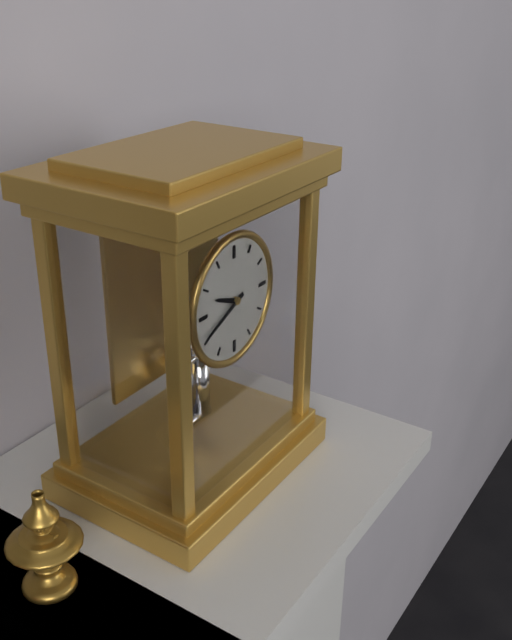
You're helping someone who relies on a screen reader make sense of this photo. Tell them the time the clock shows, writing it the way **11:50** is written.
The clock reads **9:41**
